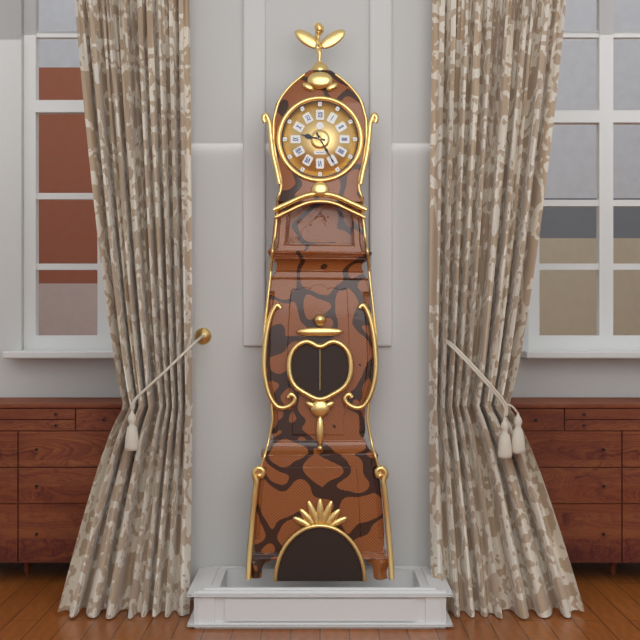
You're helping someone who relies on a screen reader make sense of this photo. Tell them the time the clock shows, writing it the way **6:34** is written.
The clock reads **9:25**
